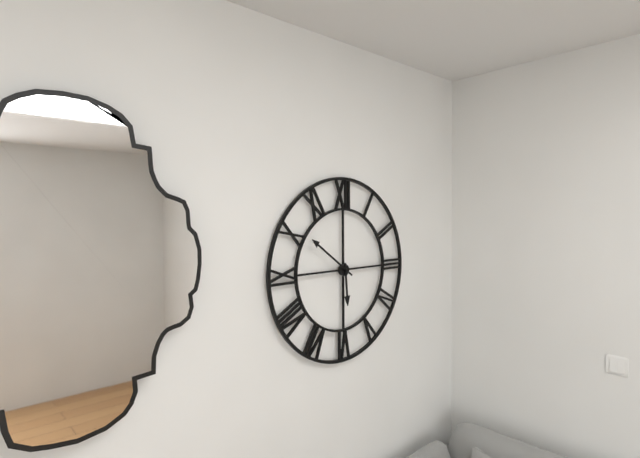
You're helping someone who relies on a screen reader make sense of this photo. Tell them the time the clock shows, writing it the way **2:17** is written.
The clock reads **5:51**
